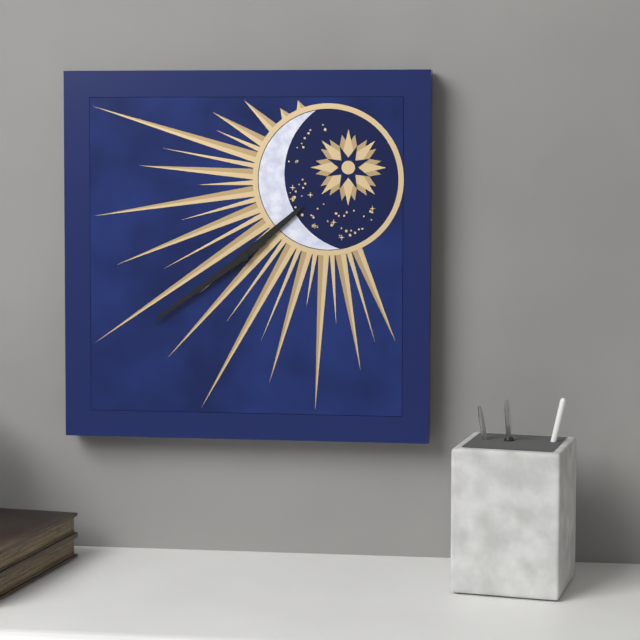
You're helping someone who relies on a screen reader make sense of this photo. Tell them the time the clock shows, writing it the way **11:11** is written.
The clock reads **1:39**
